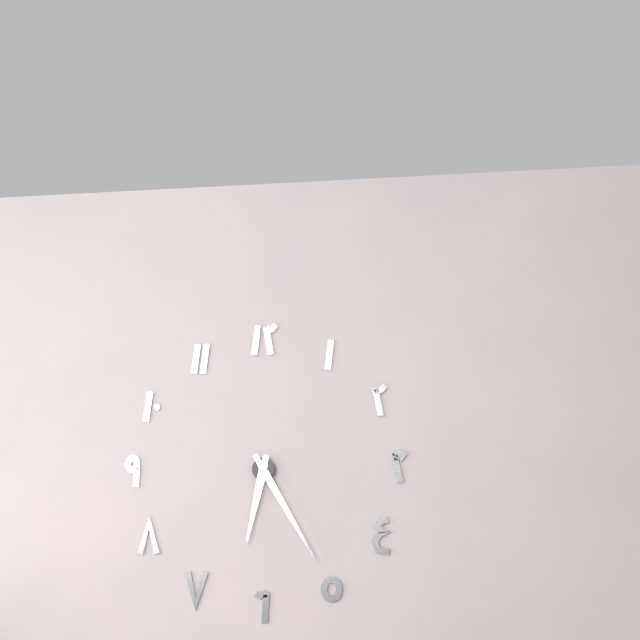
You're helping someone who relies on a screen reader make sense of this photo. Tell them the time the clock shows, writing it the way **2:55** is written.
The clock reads **6:25**
